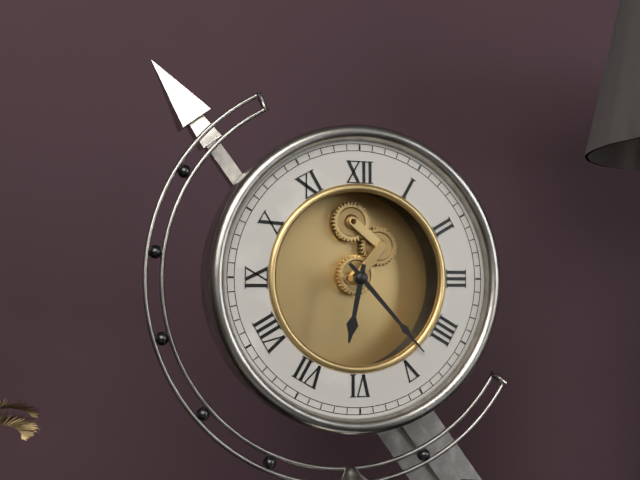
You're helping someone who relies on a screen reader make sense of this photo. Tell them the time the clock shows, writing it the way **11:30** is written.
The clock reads **6:23**
